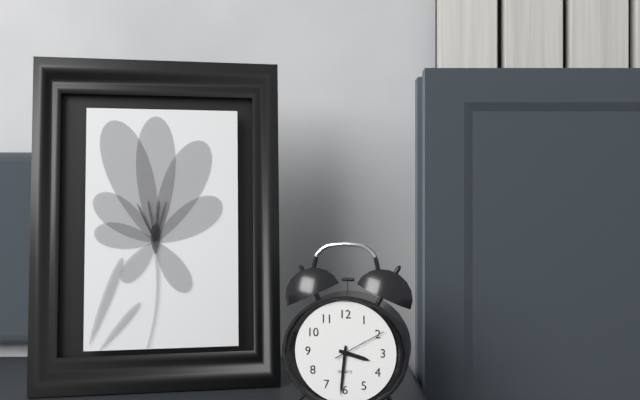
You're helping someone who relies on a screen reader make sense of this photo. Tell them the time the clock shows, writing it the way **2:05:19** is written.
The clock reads **3:31:10**
